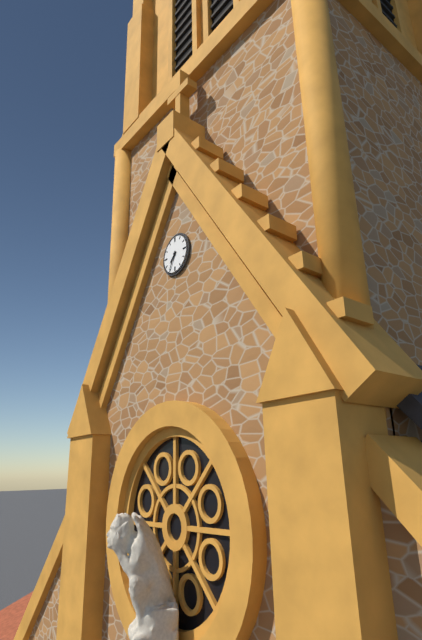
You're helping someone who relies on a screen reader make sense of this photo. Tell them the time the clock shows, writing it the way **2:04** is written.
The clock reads **7:35**
